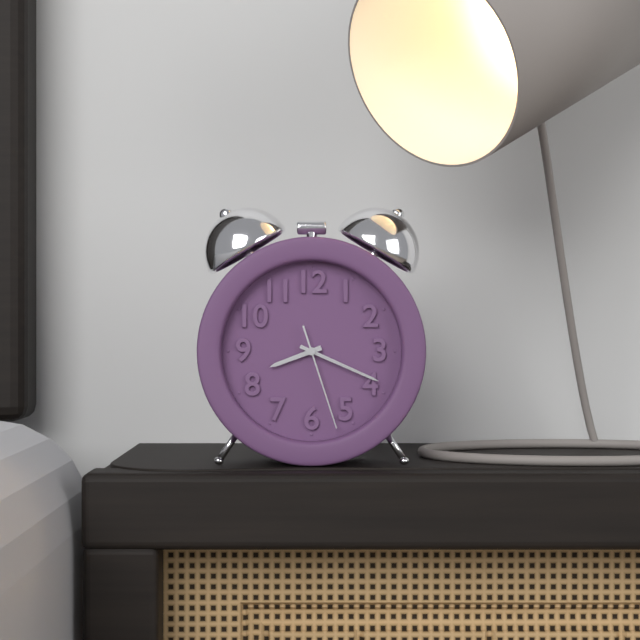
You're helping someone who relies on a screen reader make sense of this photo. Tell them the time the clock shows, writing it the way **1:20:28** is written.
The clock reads **8:19:27**
